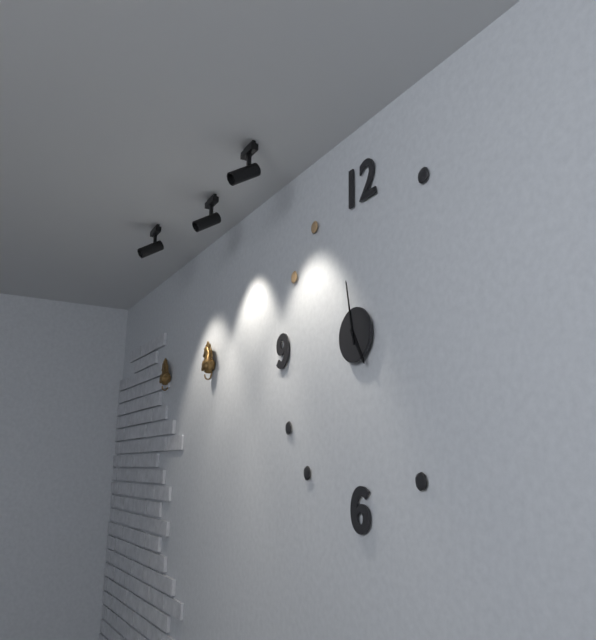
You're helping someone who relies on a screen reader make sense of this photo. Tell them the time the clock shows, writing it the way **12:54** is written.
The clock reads **4:58**
